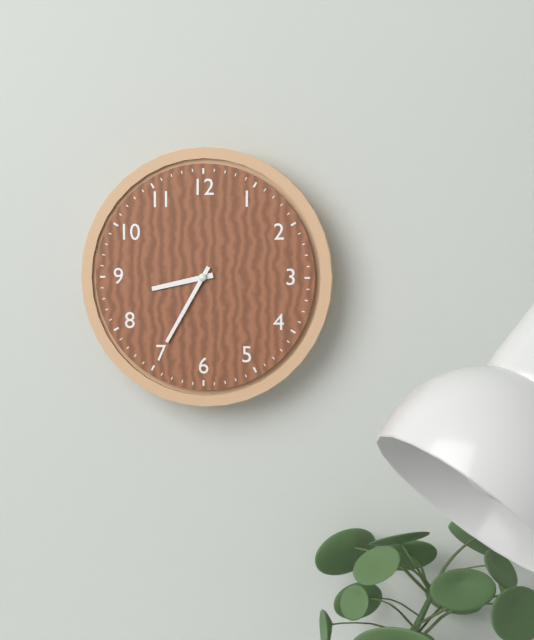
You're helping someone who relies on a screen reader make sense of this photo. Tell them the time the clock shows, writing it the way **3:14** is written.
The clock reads **8:35**
